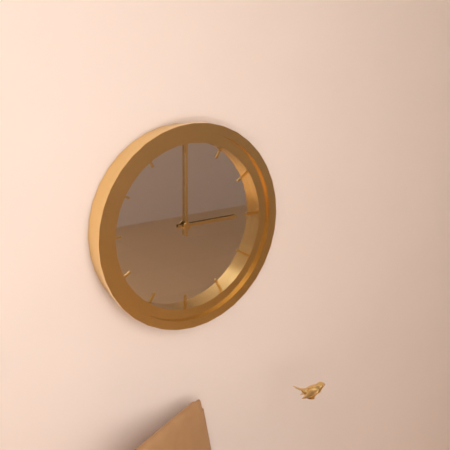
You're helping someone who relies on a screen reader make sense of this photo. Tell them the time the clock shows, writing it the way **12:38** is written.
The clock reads **3:00**
